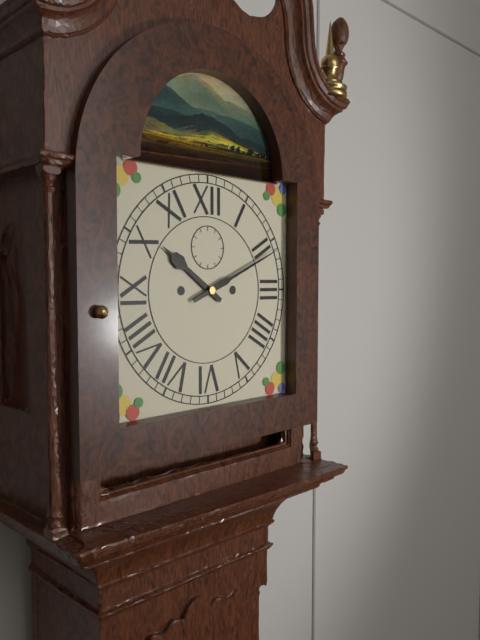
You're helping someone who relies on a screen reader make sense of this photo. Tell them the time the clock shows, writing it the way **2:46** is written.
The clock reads **10:11**
